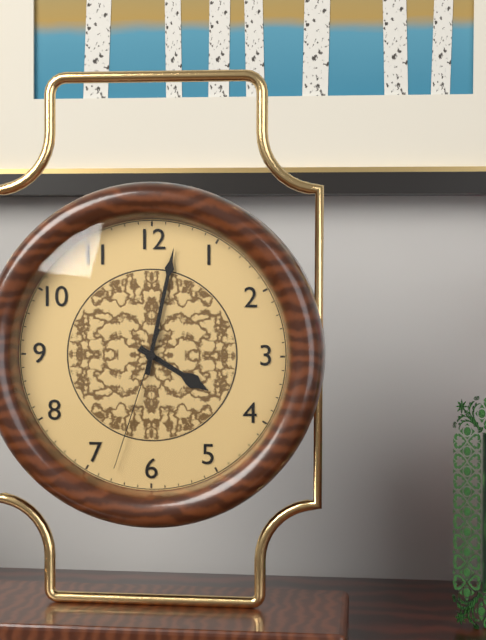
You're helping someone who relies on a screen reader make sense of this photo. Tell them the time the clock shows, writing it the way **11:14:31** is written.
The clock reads **4:02:33**
